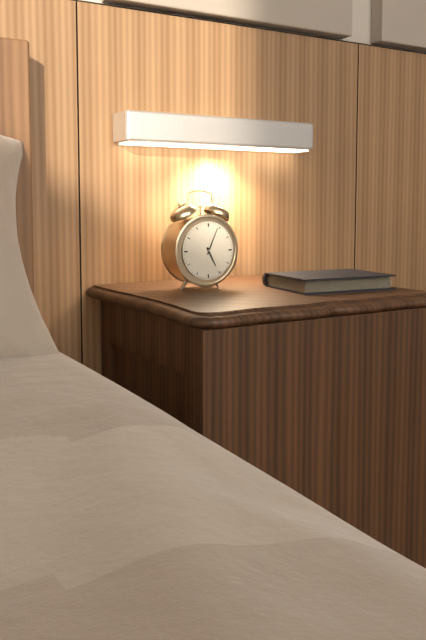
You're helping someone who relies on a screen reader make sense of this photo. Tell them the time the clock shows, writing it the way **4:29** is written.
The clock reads **5:04**
